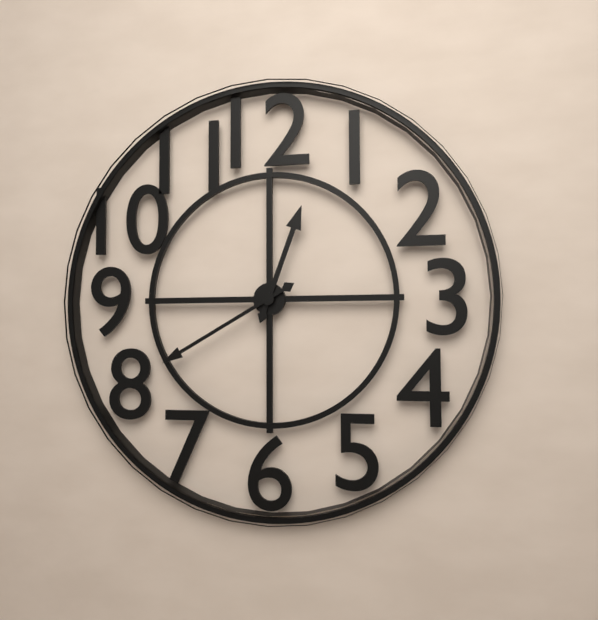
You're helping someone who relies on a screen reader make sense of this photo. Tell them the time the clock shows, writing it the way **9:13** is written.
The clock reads **12:40**
